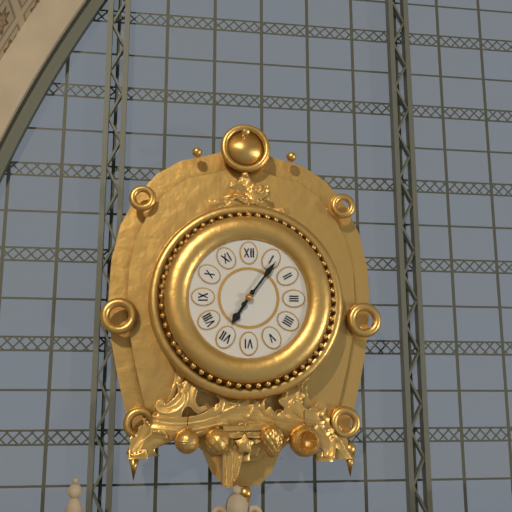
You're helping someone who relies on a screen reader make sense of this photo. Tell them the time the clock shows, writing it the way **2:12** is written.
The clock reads **7:06**
